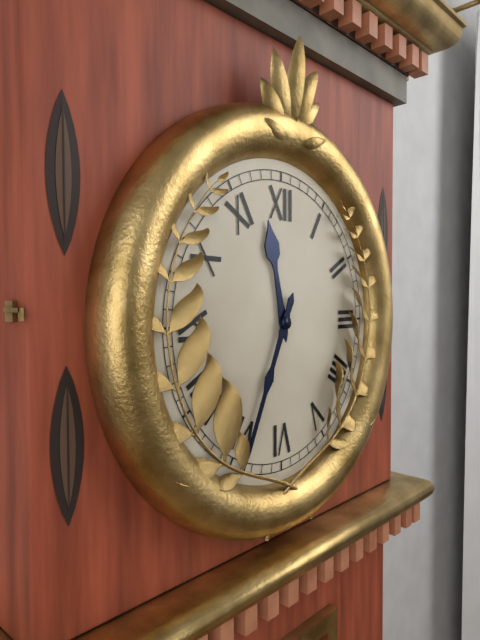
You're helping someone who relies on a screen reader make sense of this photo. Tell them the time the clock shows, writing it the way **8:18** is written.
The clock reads **11:34**
